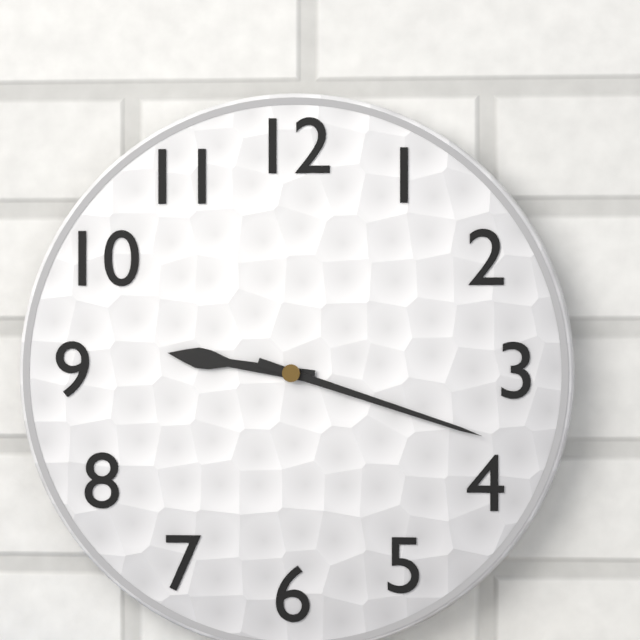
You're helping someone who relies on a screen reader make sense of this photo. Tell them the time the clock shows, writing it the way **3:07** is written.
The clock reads **9:18**
